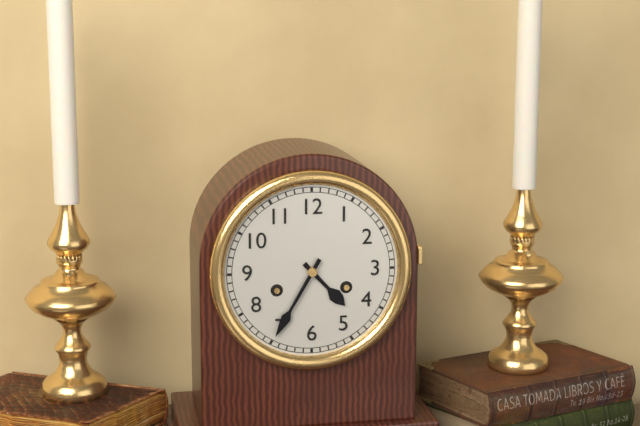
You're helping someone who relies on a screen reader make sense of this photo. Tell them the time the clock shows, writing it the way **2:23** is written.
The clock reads **4:35**
